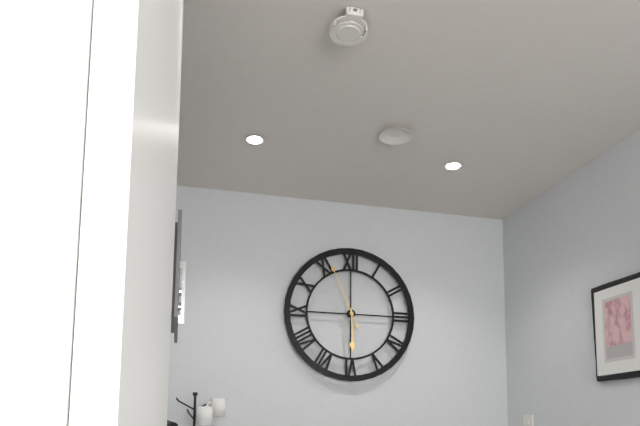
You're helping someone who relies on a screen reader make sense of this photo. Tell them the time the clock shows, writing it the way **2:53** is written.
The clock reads **5:56**
